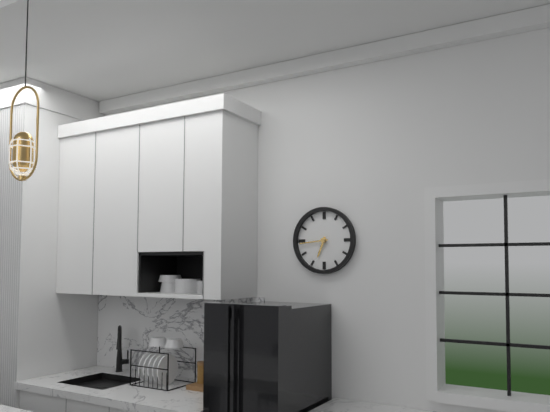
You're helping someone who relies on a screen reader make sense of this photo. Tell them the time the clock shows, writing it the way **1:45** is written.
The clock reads **6:44**
